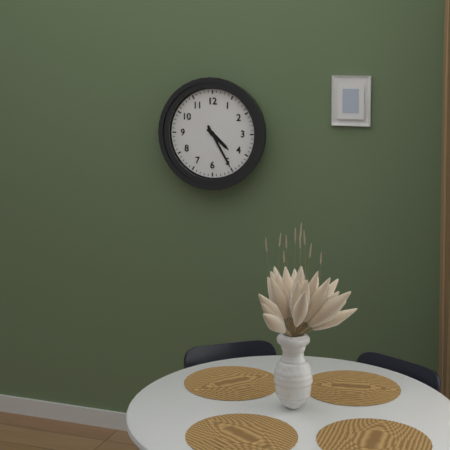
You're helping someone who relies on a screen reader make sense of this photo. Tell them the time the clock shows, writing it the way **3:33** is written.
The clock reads **4:25**
